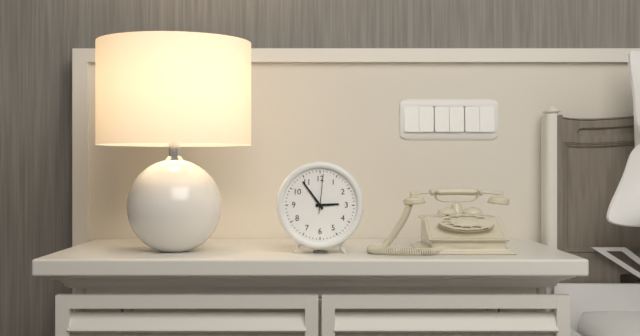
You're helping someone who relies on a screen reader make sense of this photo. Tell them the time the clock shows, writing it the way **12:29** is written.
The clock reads **2:54**
